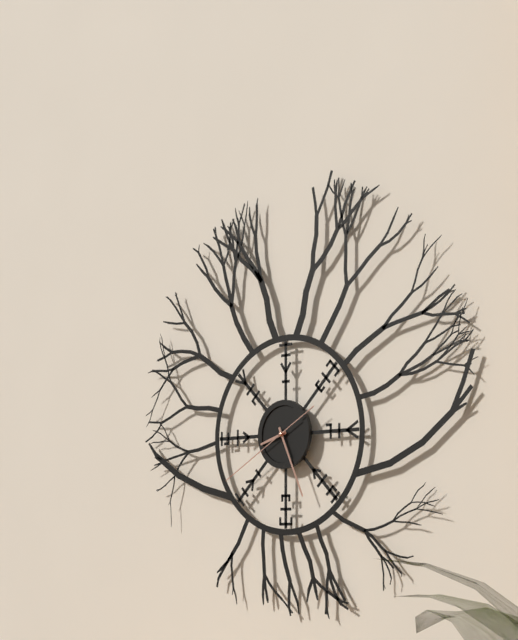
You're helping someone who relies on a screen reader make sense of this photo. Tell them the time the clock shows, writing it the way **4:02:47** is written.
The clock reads **8:26:40**
